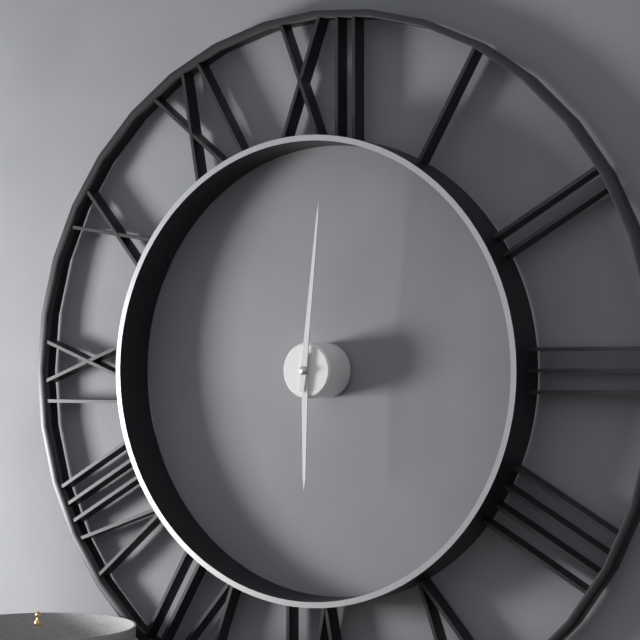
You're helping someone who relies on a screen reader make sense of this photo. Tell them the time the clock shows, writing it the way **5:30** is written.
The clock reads **6:01**
